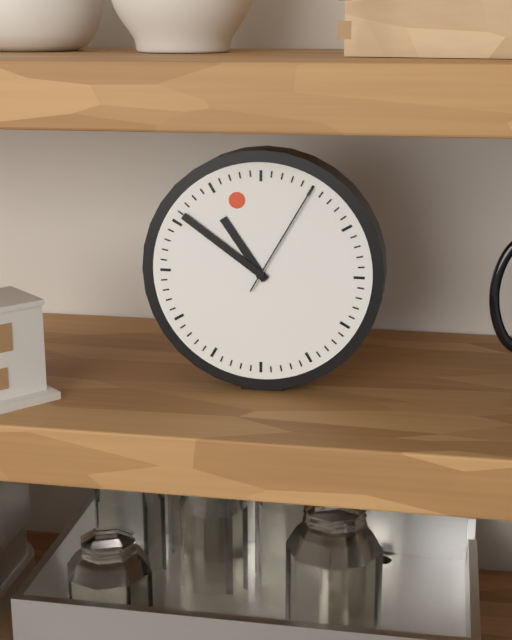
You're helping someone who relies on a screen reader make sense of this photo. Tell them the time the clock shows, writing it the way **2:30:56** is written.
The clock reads **10:51:05**
